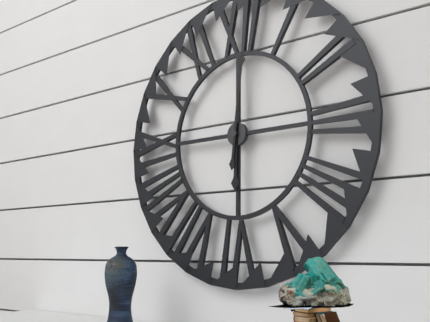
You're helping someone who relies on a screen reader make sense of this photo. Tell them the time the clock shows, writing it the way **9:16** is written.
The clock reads **6:01**
